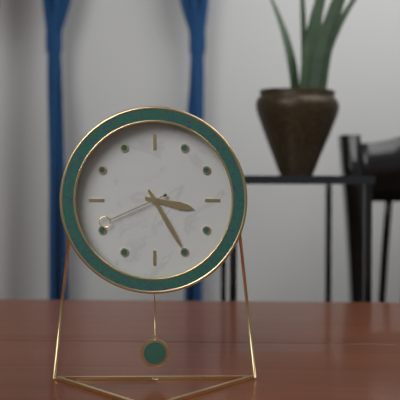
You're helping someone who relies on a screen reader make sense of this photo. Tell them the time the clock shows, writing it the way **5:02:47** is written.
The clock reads **3:25:41**
